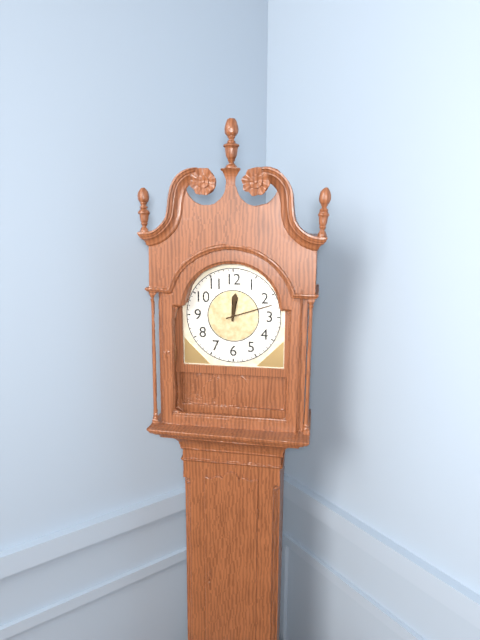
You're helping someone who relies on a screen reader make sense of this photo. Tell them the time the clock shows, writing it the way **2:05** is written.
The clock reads **12:12**
